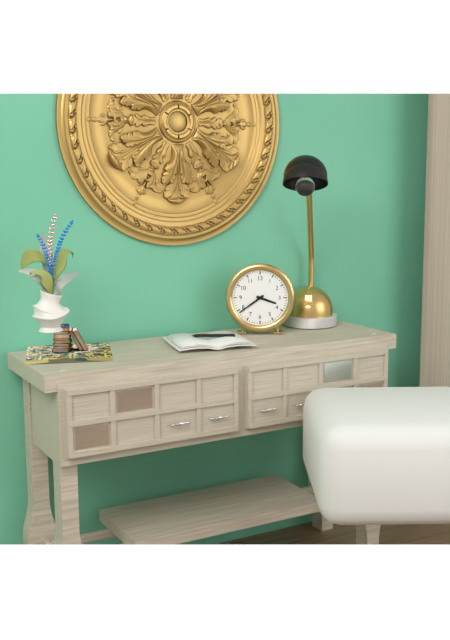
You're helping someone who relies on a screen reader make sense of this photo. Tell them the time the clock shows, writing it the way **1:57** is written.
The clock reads **3:39**
